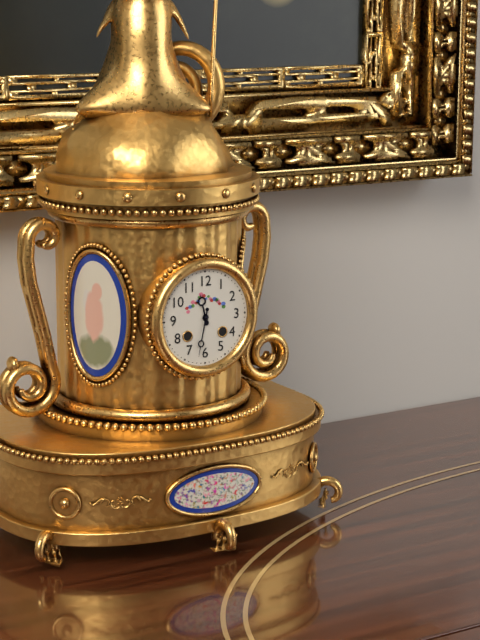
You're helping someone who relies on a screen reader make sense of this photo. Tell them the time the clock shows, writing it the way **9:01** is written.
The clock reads **11:32**
